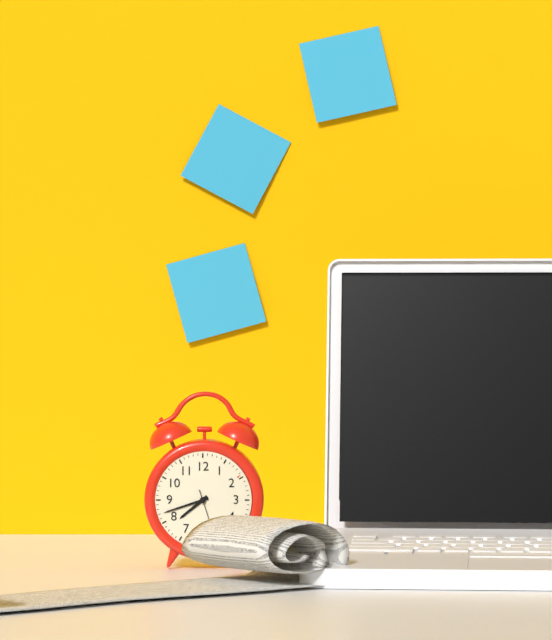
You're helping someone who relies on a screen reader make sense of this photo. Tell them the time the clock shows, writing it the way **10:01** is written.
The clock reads **7:42**
